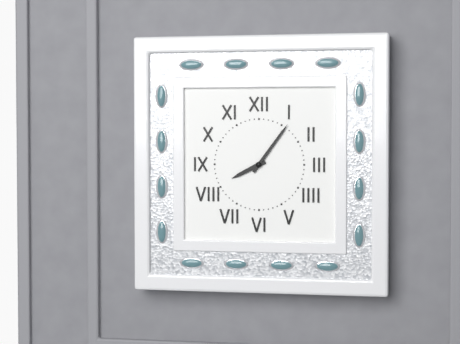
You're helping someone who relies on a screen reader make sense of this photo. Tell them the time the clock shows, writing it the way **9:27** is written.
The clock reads **8:06**
